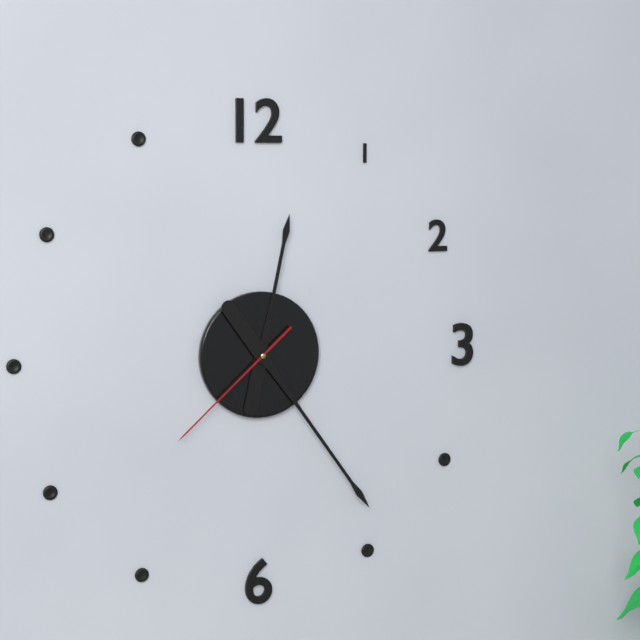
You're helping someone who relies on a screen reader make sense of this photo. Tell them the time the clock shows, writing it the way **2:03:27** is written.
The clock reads **12:24:38**
